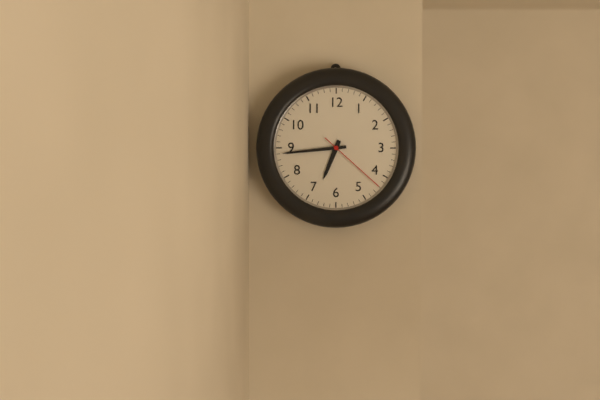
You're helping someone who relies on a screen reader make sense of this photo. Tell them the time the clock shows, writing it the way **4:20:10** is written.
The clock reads **6:44:22**
